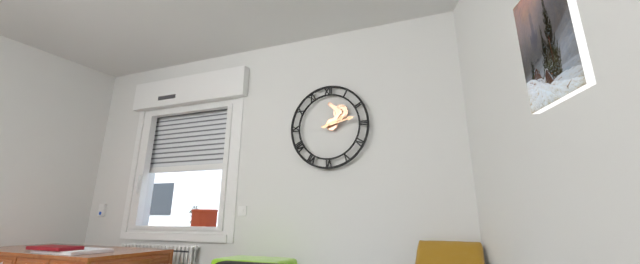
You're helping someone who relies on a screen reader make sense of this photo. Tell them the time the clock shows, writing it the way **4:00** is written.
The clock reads **2:13**
